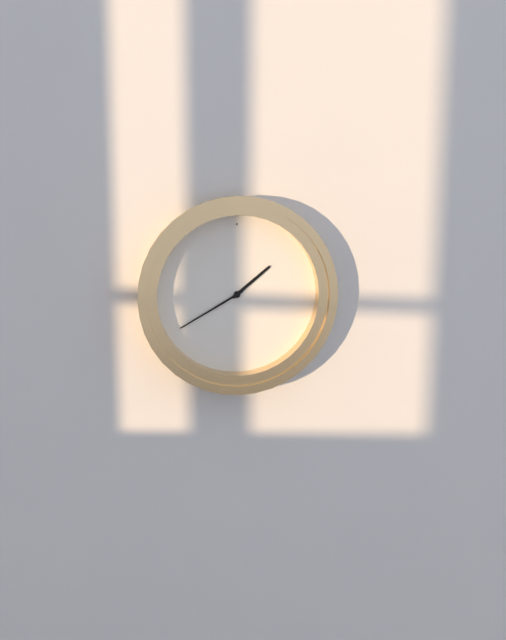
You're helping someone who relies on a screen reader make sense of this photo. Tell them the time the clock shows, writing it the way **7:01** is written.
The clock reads **1:40**
